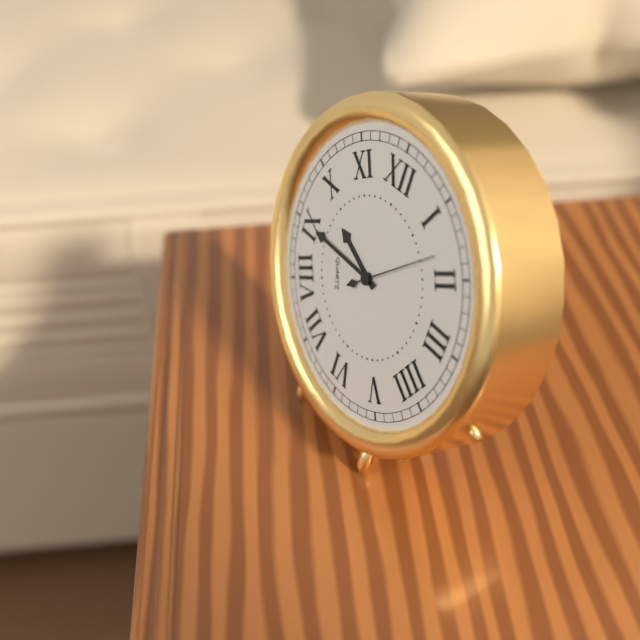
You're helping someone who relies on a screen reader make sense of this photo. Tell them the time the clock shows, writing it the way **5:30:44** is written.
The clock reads **9:45:08**
